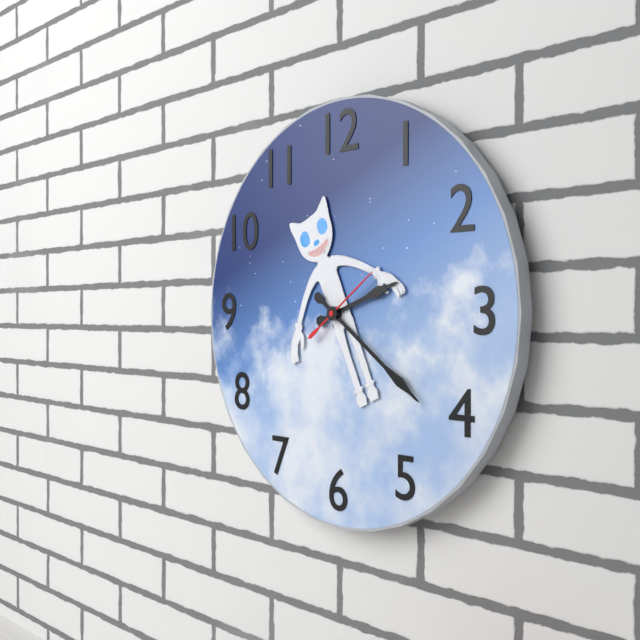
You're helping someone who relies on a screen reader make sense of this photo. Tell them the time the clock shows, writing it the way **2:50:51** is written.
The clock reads **2:21:09**
